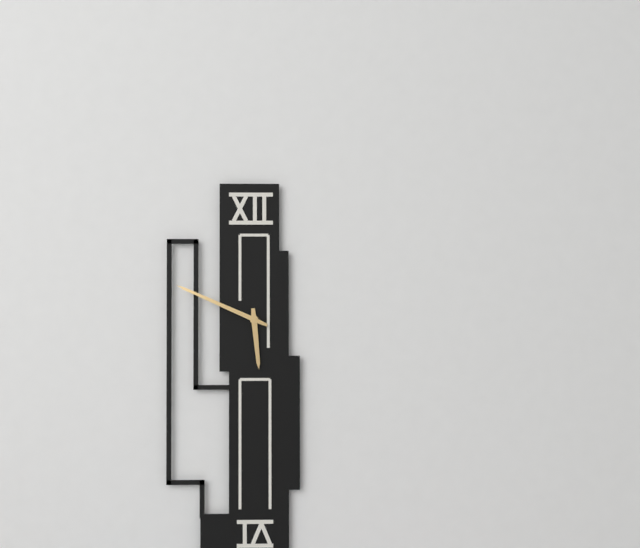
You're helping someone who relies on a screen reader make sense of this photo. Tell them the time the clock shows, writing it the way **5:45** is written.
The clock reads **5:49**
